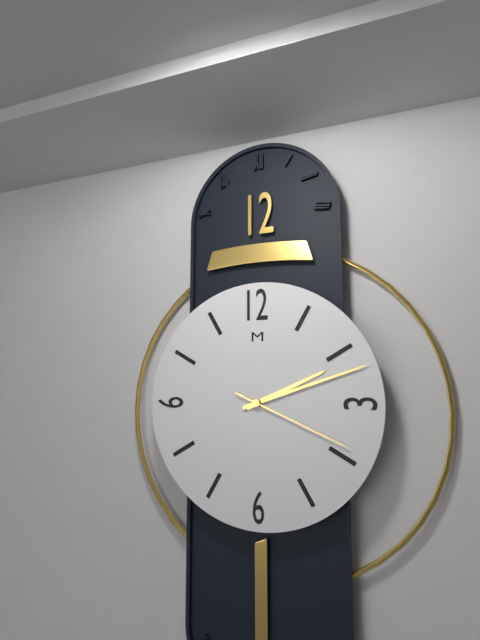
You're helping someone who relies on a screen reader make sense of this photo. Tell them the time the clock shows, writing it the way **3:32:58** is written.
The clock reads **2:12:19**
